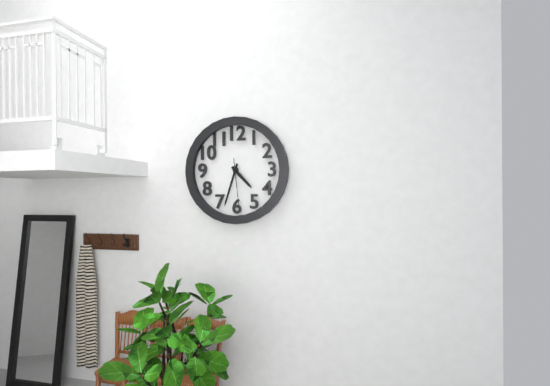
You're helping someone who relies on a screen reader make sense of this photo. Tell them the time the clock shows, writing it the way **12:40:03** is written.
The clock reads **4:33:29**
